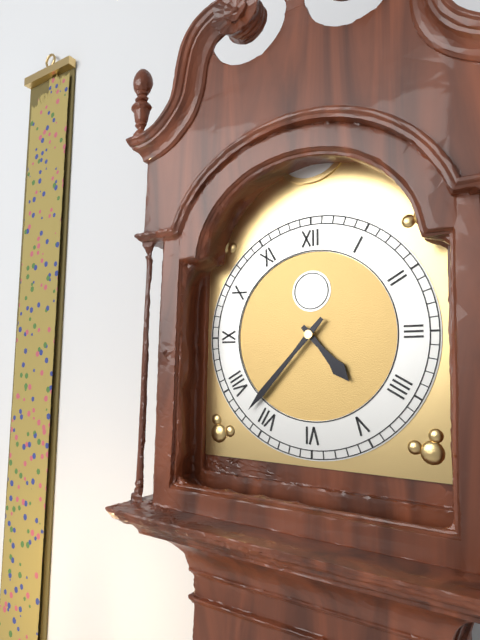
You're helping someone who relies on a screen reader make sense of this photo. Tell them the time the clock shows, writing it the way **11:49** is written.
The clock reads **4:37**
